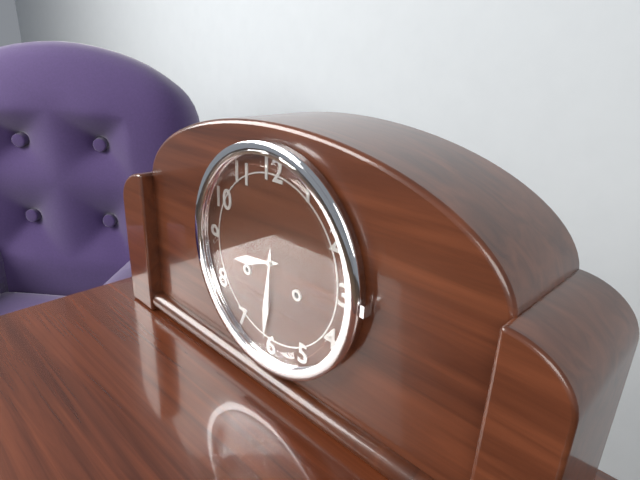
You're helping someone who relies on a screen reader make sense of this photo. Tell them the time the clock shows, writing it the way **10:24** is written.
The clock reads **8:31**
